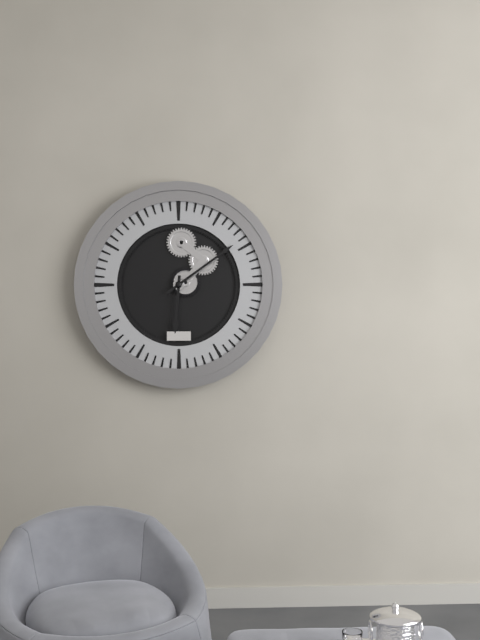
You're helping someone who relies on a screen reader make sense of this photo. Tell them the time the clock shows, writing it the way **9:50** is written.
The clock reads **6:09**
